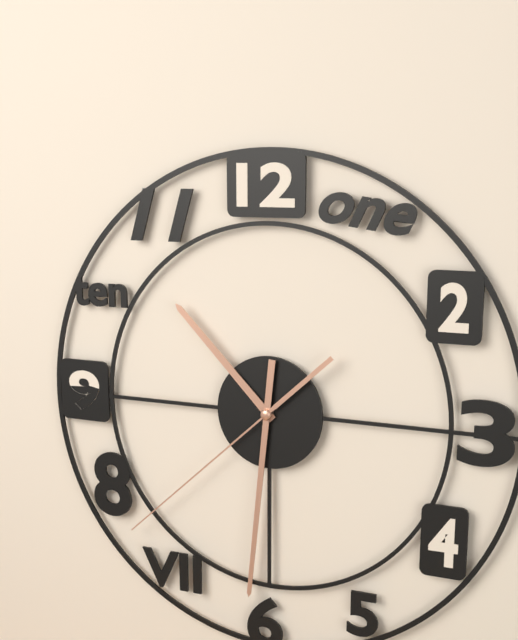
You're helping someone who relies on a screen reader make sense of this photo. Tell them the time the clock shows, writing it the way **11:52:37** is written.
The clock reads **10:31:38**
